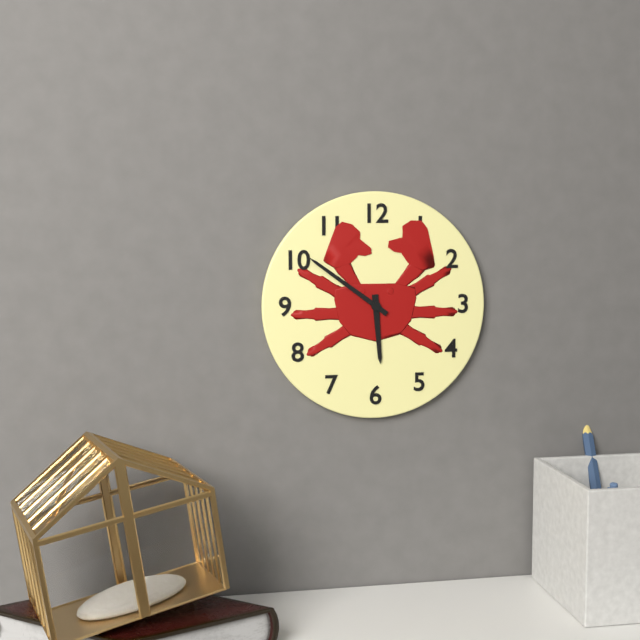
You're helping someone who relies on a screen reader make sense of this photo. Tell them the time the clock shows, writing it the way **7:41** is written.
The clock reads **5:51**
